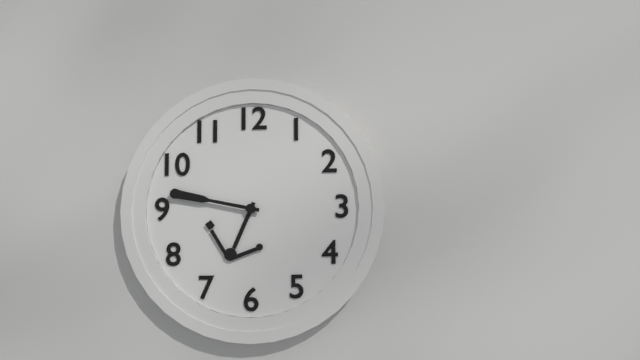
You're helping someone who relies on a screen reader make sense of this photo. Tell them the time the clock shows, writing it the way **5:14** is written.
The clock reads **6:47**
